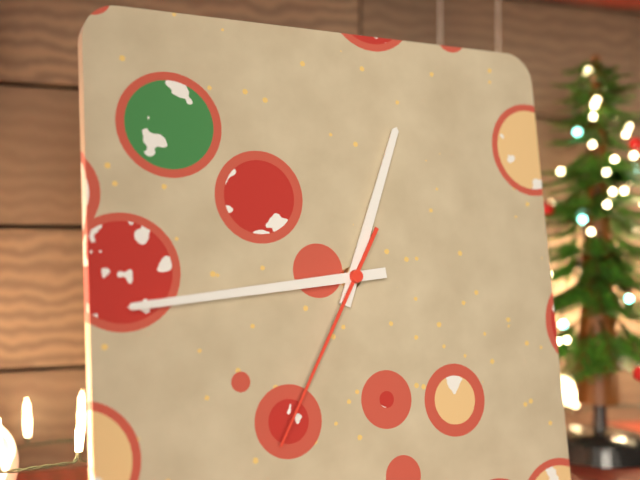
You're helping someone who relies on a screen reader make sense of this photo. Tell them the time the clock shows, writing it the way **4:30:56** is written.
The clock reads **12:44:35**
